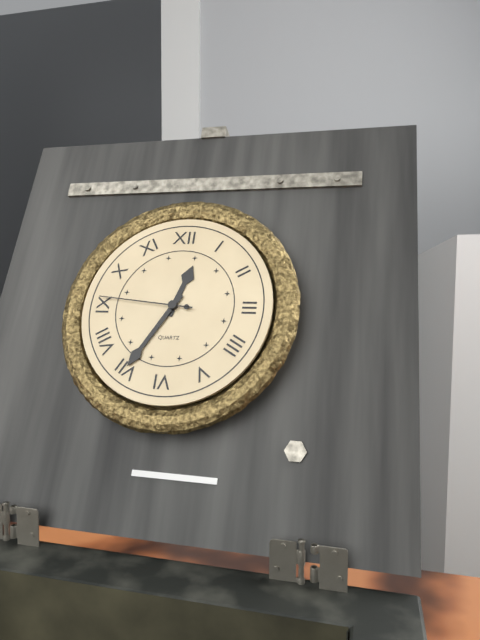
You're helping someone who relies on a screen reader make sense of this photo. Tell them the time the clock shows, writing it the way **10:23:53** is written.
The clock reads **12:35:46**
